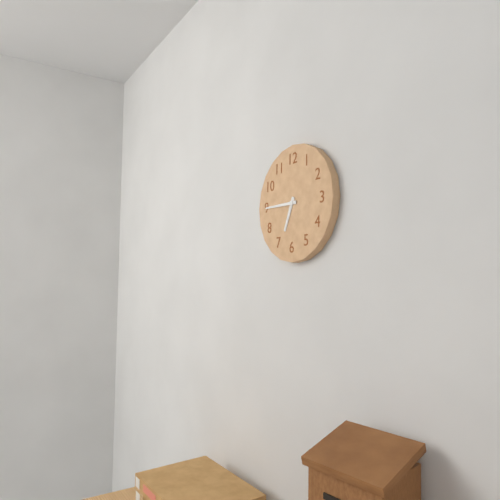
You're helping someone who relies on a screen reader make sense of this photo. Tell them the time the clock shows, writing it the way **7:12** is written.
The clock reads **6:45**
